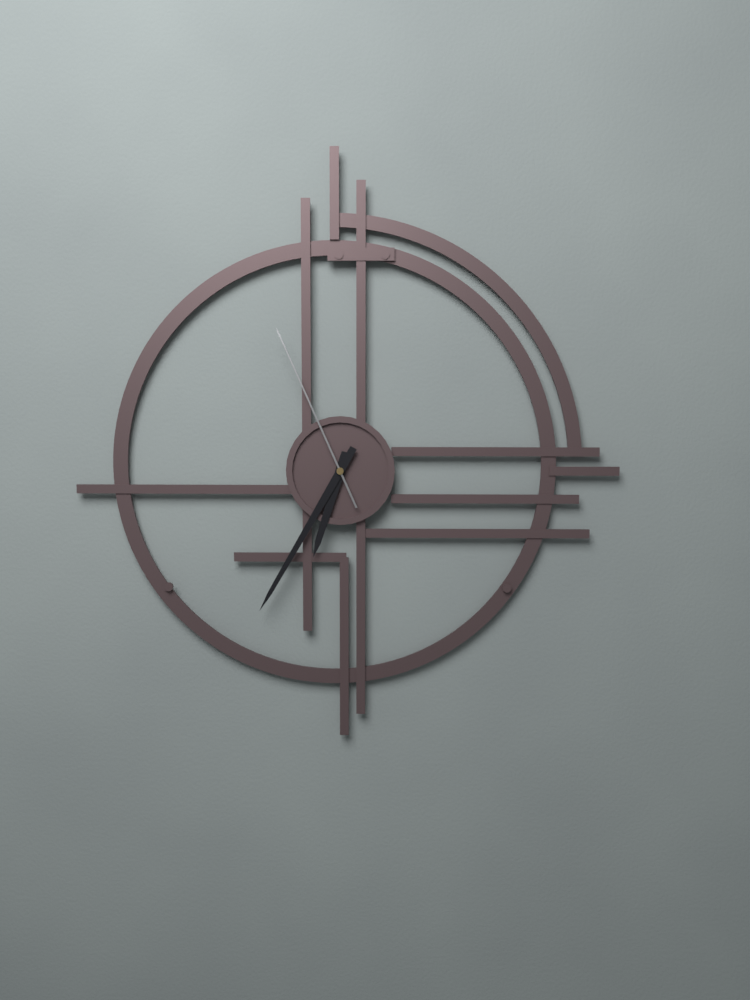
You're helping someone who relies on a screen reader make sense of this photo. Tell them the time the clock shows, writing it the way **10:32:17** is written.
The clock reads **6:35:56**
